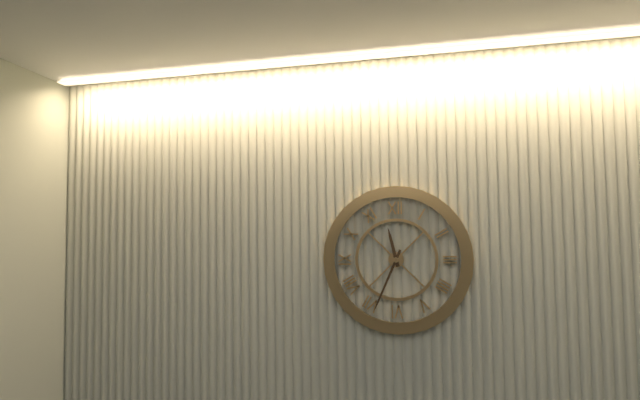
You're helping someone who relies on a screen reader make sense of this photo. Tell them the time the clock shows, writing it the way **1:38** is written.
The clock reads **11:34**
